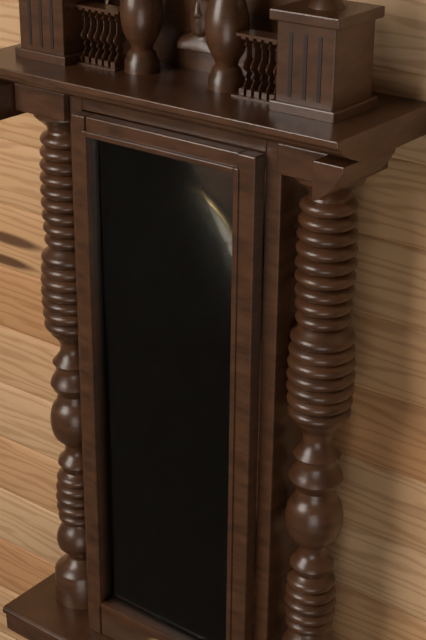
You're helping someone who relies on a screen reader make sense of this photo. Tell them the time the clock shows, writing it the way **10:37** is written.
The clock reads **8:39**
